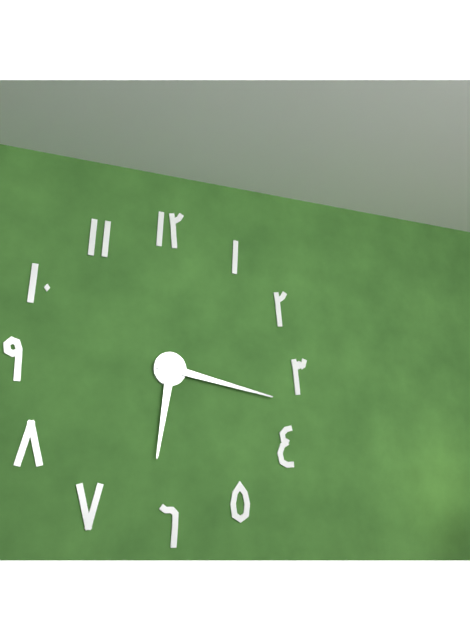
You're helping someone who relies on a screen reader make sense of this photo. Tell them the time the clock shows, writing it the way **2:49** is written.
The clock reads **6:17**
